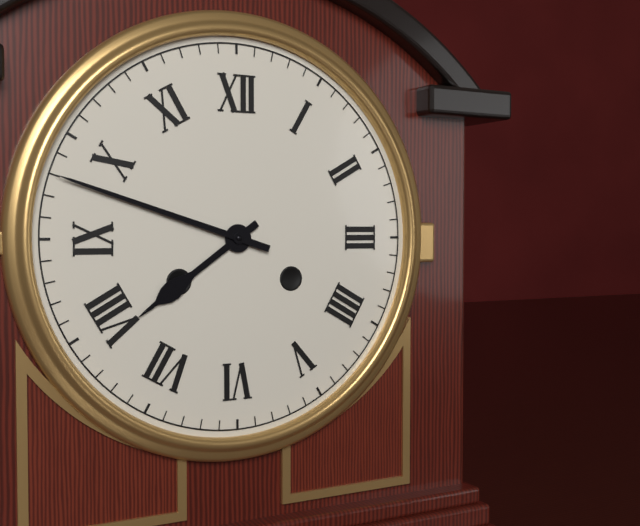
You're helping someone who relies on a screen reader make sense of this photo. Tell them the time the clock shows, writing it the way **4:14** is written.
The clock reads **7:48**
